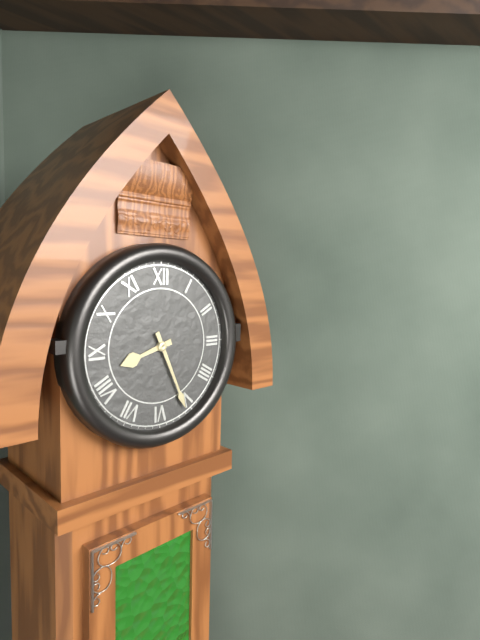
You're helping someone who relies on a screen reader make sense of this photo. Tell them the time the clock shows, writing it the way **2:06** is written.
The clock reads **8:26**
